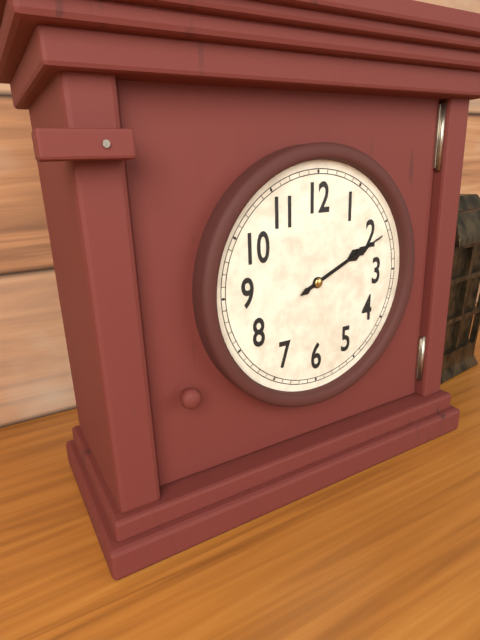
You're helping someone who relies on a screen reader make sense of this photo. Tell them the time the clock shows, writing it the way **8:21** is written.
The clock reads **2:11**
